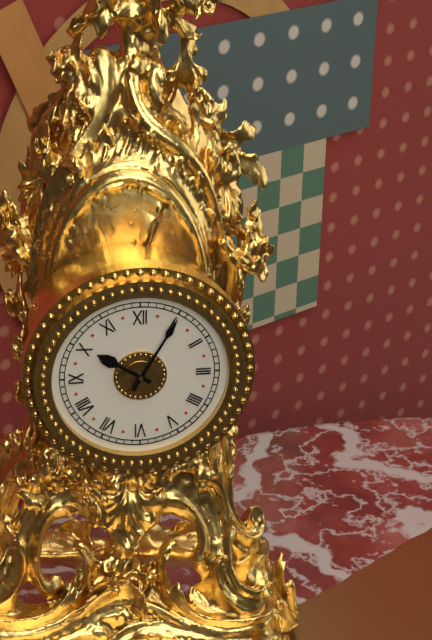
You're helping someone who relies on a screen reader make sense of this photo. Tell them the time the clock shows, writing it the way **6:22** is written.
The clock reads **10:05**
